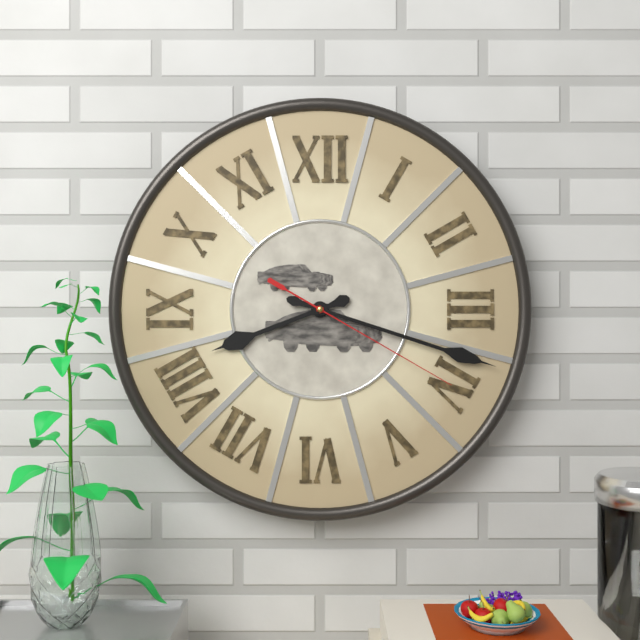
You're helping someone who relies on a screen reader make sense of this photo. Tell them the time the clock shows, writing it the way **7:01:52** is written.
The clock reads **8:18:20**
